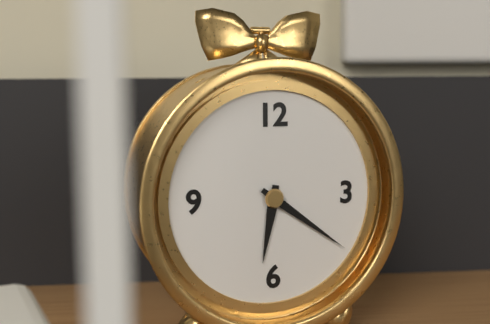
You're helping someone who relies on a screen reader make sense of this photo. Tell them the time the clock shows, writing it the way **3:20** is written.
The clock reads **6:21**
